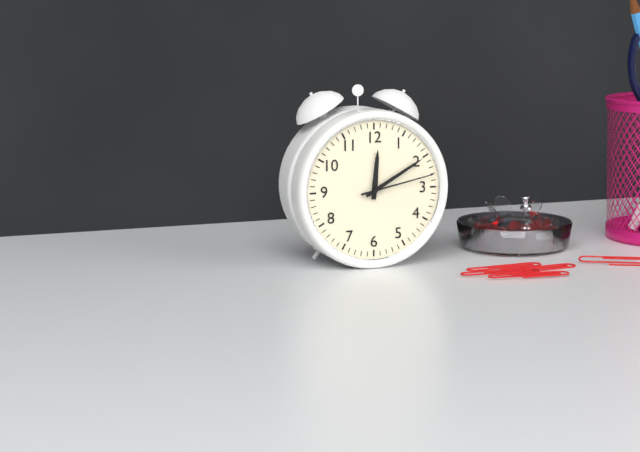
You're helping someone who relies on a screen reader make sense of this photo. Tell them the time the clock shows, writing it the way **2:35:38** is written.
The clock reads **12:10:13**
